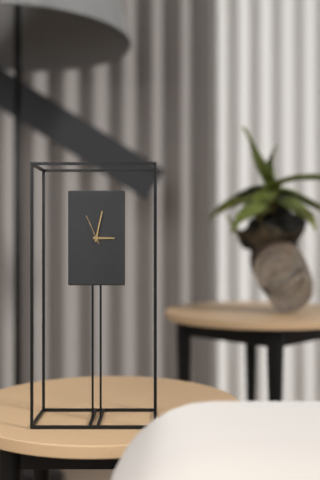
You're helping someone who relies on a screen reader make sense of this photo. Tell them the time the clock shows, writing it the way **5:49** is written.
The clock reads **3:02**
